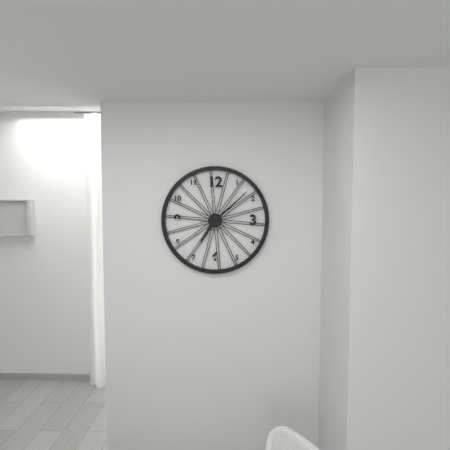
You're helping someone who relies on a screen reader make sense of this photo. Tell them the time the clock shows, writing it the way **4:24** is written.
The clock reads **7:08**
